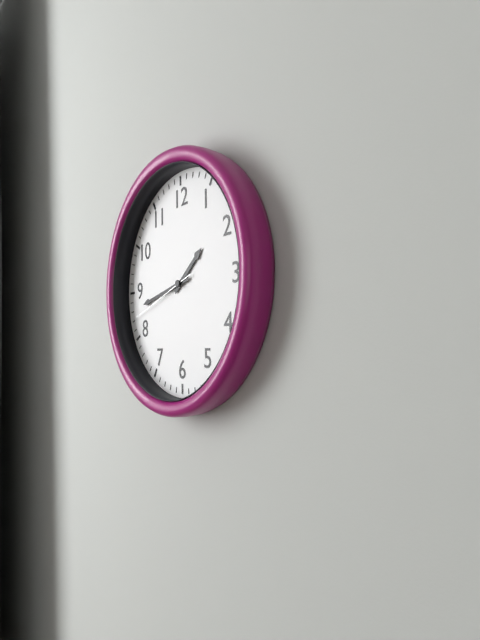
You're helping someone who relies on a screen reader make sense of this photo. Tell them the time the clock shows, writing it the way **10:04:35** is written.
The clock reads **1:43:42**
